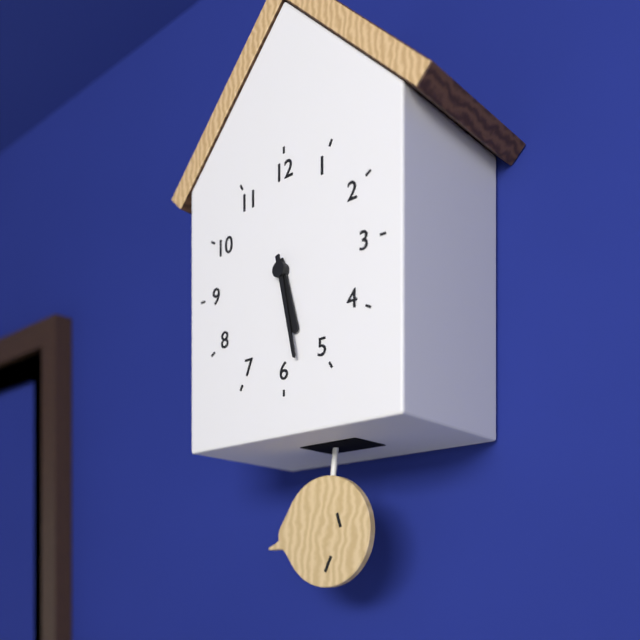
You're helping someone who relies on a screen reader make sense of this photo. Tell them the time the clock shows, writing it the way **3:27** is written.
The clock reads **5:28**
